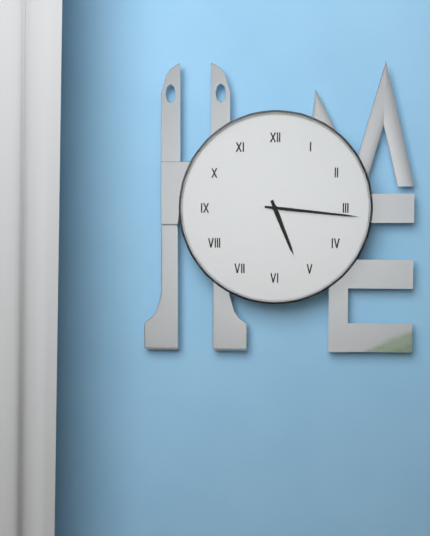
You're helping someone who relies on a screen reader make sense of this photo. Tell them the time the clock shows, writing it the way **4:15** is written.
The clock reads **5:16**
